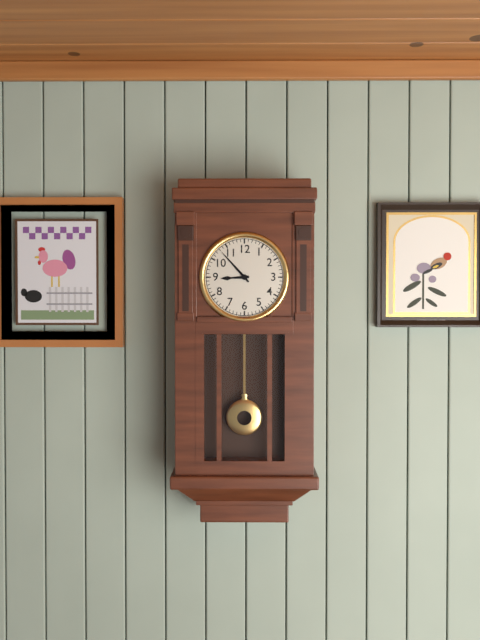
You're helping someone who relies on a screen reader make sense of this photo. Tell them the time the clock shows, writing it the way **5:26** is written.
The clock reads **8:53**
